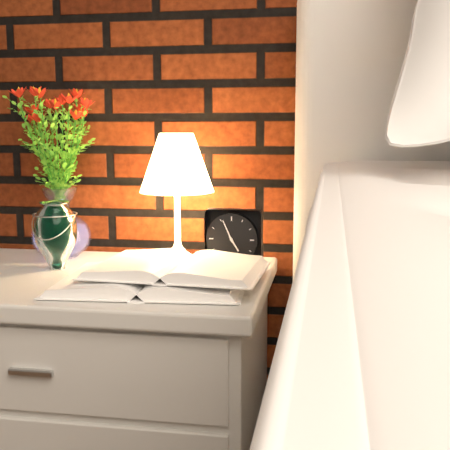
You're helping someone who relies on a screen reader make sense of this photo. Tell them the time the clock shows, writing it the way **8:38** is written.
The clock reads **4:56**
